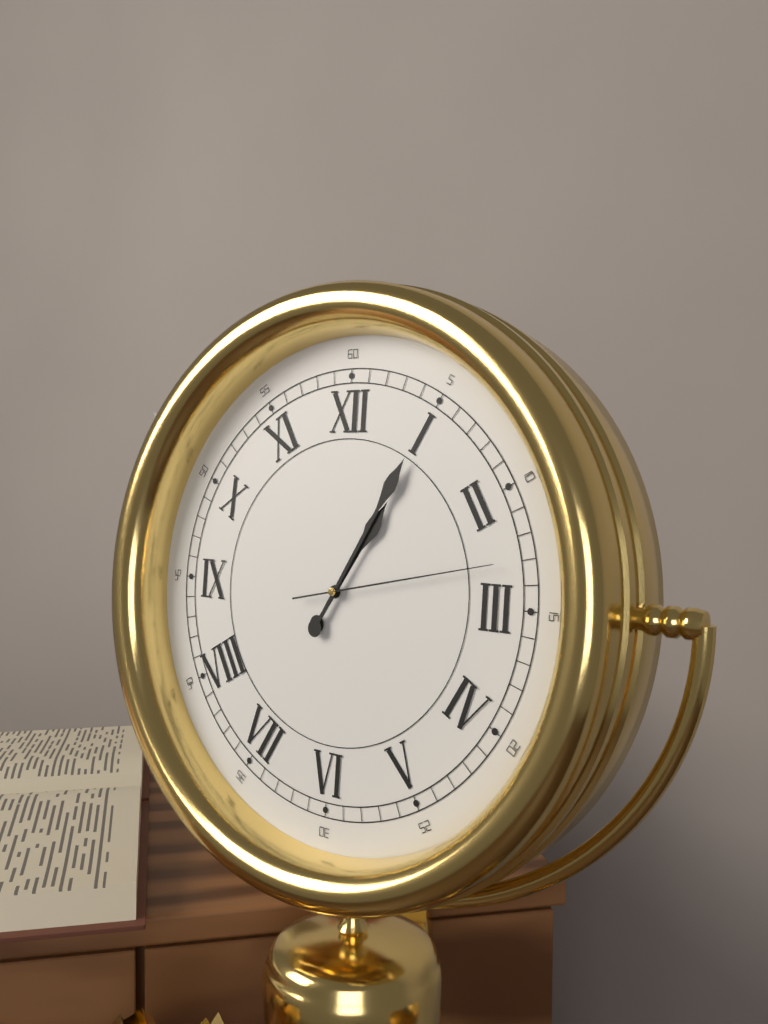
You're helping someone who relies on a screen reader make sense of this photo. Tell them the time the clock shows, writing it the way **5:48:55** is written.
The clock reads **1:05:13**
